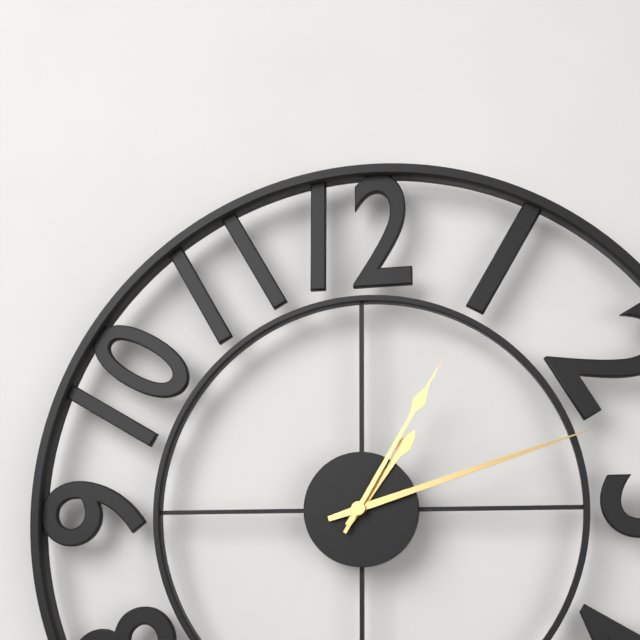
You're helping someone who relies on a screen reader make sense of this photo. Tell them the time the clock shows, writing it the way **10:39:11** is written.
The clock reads **1:12:05**
